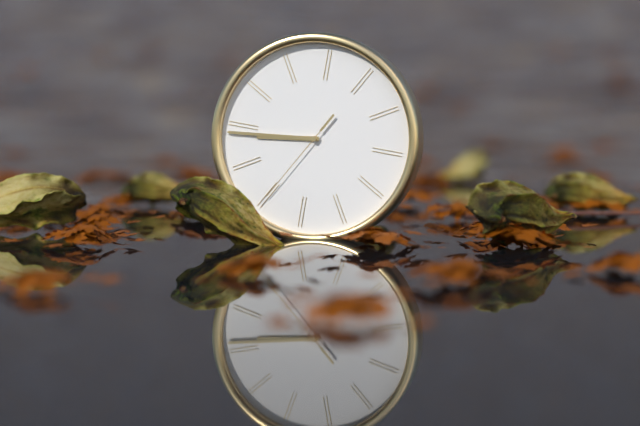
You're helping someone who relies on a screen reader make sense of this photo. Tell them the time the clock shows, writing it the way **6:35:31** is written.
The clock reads **8:44:35**
